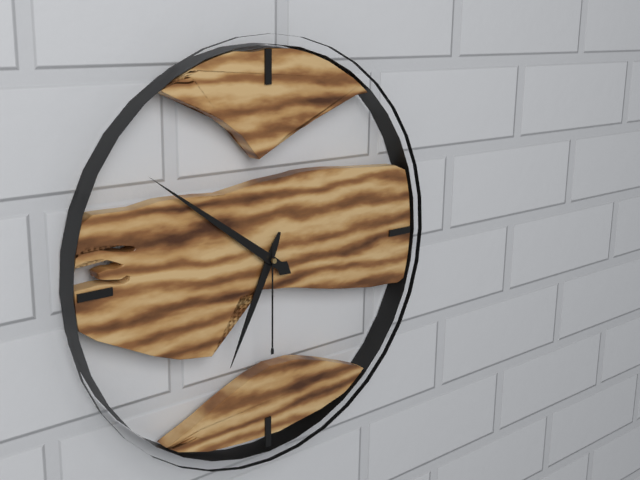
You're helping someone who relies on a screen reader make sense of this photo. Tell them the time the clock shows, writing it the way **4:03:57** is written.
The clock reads **6:51:30**
